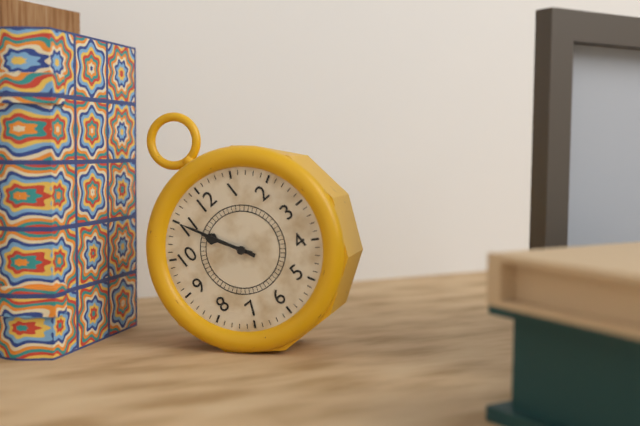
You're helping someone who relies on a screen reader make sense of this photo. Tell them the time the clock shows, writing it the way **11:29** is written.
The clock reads **10:55**
